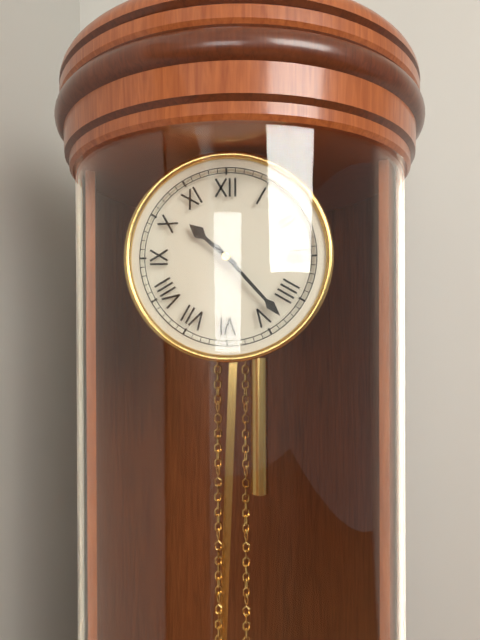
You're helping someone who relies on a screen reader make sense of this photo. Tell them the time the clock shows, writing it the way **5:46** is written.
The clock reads **10:23**
